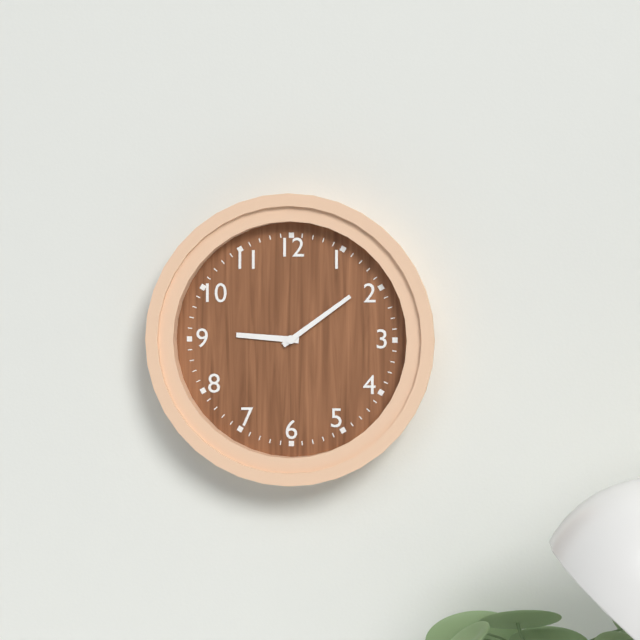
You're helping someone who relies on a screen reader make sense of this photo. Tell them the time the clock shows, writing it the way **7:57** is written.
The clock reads **9:09**
